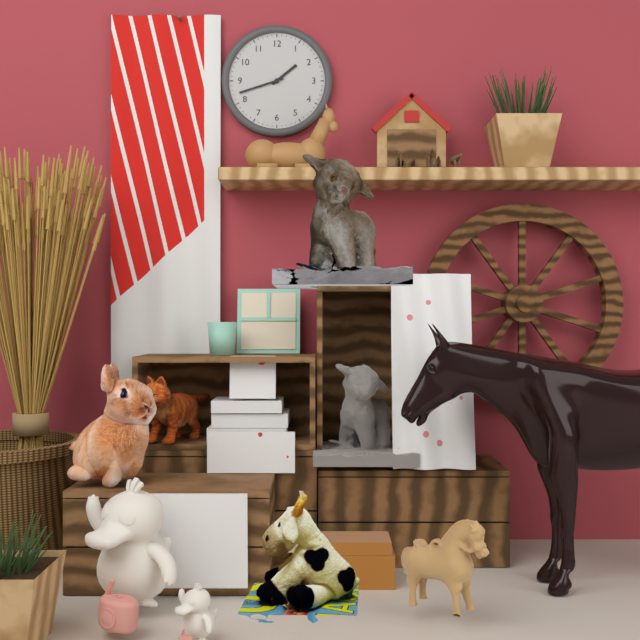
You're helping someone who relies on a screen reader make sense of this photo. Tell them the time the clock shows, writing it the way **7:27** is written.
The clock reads **1:42**
